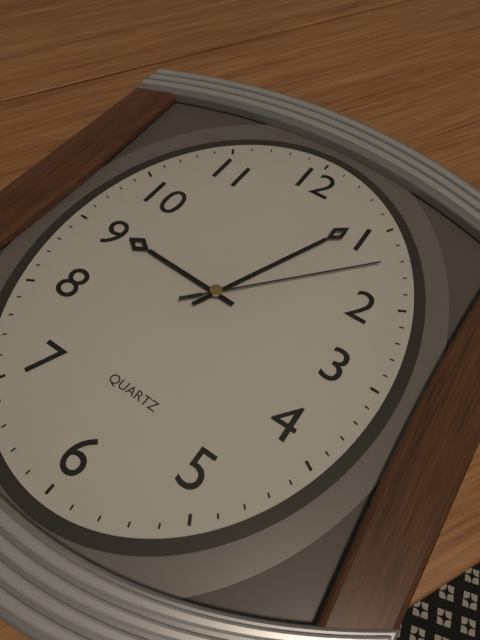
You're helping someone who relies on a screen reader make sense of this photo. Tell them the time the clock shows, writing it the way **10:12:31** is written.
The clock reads **9:04:07**
